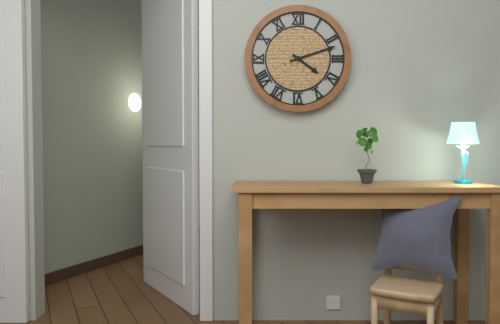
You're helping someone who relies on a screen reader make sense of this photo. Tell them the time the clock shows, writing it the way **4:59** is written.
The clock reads **4:12**
